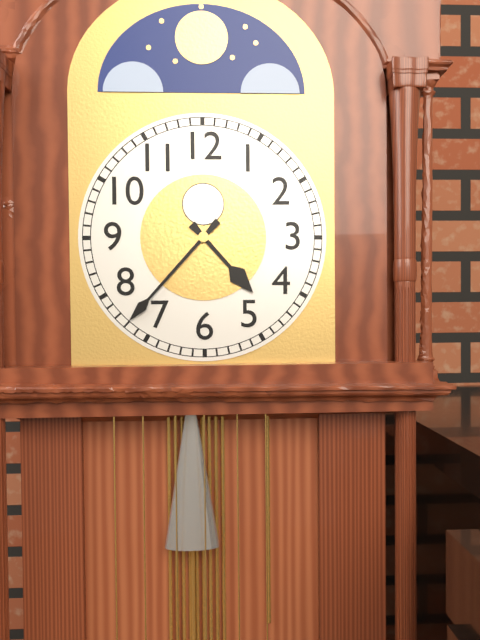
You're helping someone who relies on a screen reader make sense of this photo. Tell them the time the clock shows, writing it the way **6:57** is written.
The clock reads **4:37**
